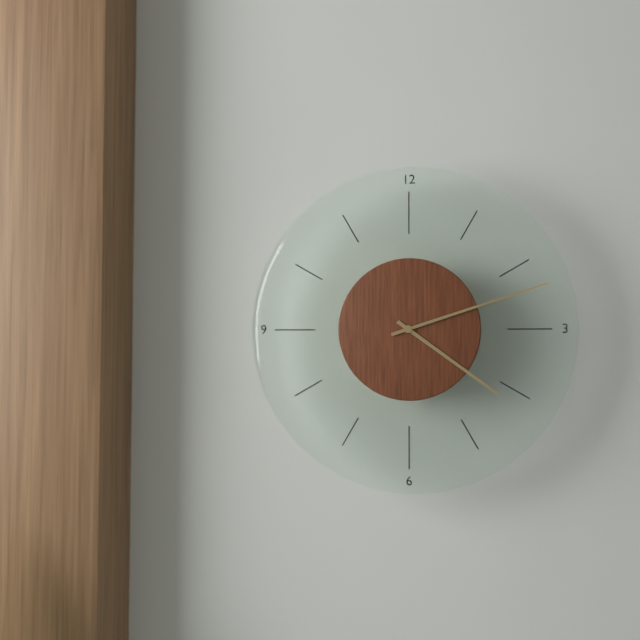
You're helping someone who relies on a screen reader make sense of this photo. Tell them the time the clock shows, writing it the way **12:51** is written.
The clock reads **4:12**
